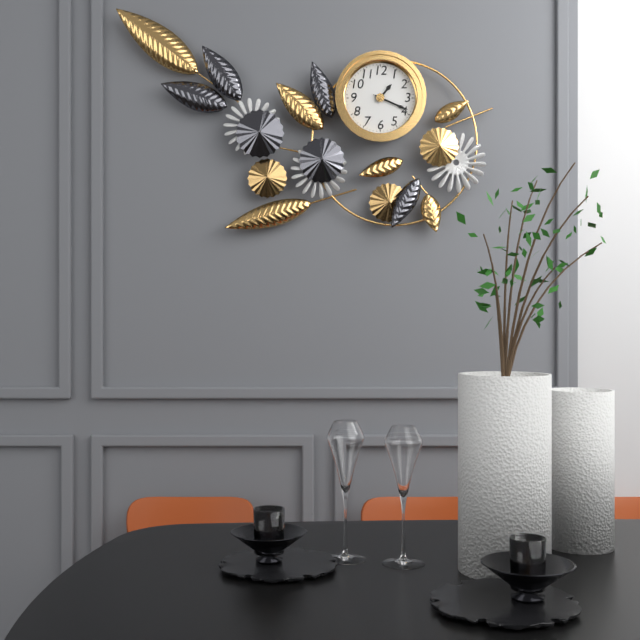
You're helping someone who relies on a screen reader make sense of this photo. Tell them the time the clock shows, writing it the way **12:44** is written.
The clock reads **1:19**
